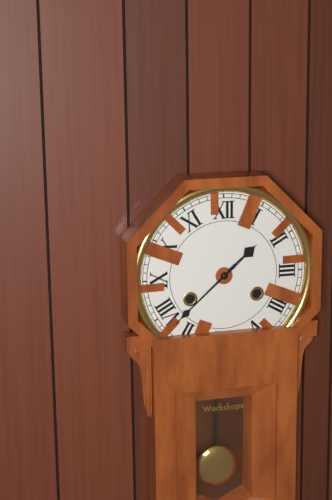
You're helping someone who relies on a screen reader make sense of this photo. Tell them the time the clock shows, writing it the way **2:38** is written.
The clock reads **1:38**
